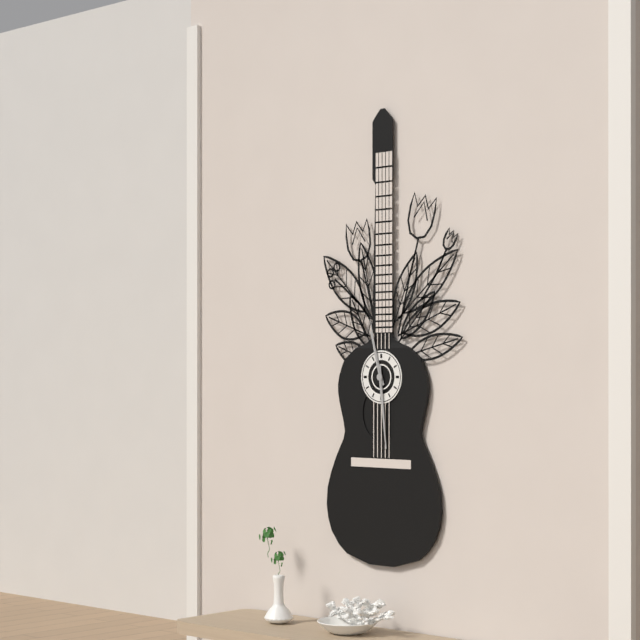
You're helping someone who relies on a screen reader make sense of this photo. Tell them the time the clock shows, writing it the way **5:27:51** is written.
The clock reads **11:29:58**
